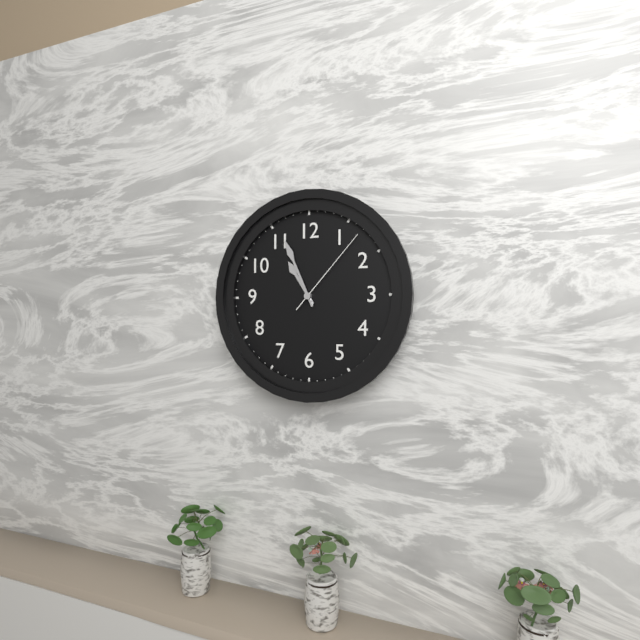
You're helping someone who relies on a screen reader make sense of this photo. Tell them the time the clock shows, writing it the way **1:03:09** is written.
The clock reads **10:56:07**
